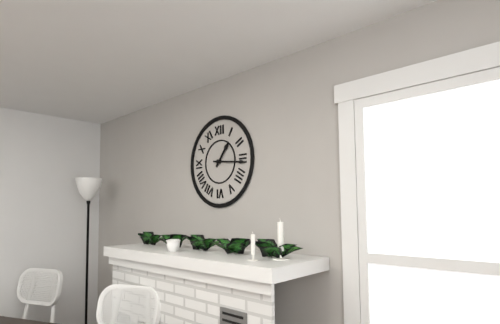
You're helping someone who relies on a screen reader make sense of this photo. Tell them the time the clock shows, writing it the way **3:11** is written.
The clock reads **1:16**
